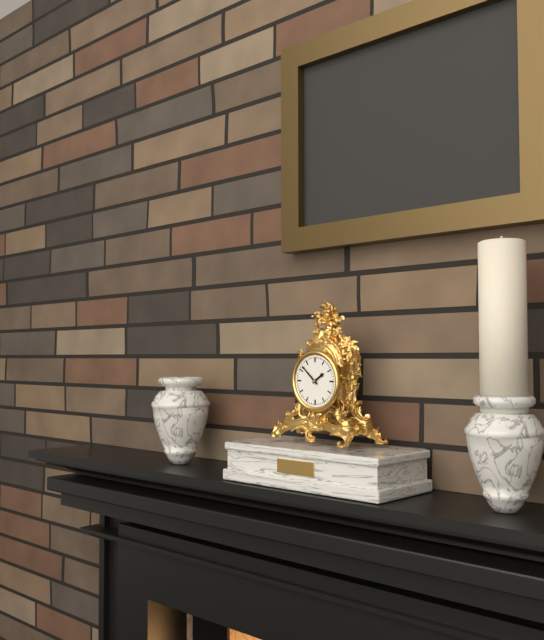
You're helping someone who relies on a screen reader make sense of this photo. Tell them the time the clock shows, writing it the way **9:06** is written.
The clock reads **1:52**
